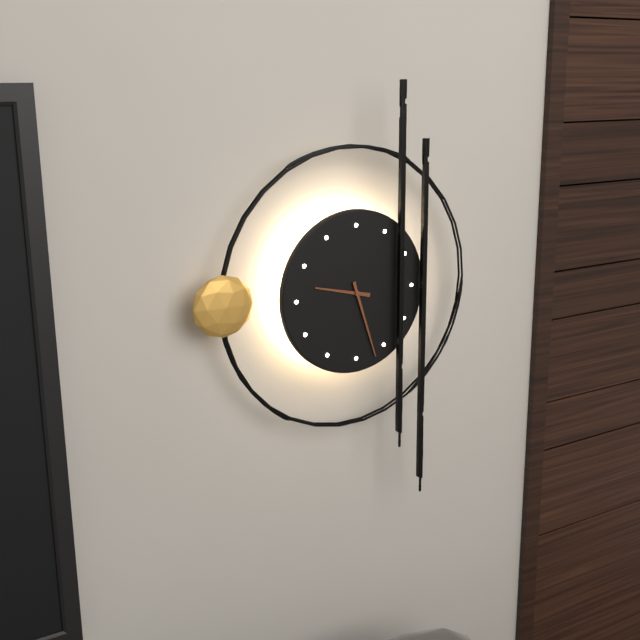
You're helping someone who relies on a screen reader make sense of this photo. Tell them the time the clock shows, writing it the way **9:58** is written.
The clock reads **9:27**
